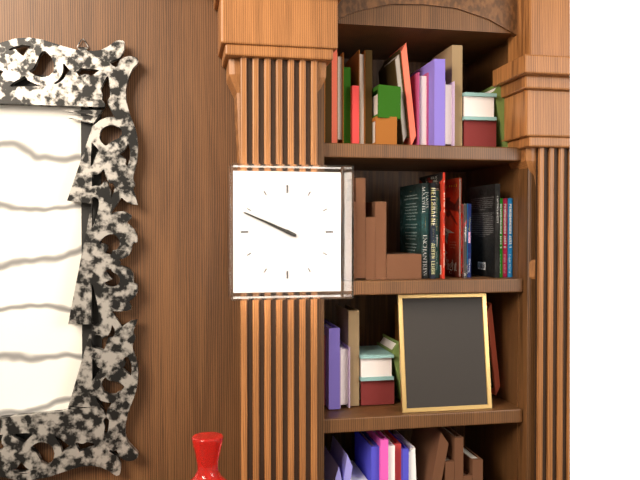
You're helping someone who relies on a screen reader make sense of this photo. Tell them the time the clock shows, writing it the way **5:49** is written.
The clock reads **9:49**
